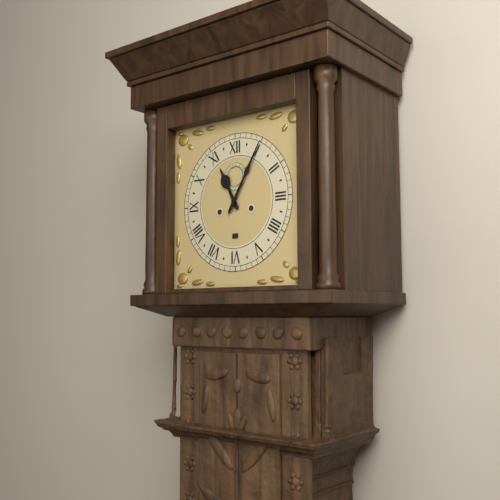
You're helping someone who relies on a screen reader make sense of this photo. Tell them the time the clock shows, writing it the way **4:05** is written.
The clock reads **11:05**
